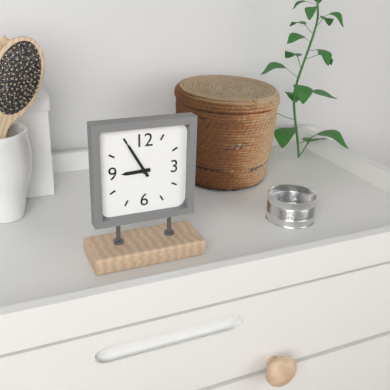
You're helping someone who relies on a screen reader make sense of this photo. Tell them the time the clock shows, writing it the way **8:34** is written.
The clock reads **8:55**
